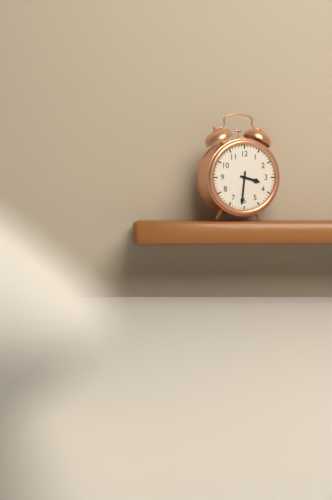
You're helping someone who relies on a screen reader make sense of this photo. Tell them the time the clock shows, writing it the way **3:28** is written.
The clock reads **3:31**
